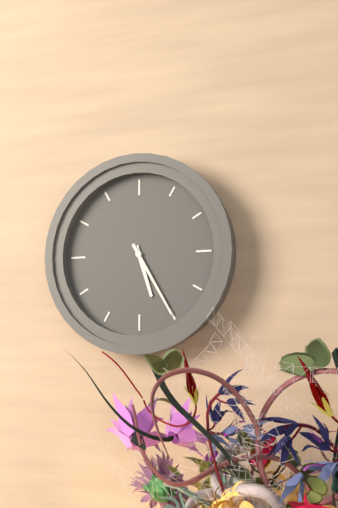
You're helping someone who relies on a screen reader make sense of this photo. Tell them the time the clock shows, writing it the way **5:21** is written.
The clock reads **5:25**
